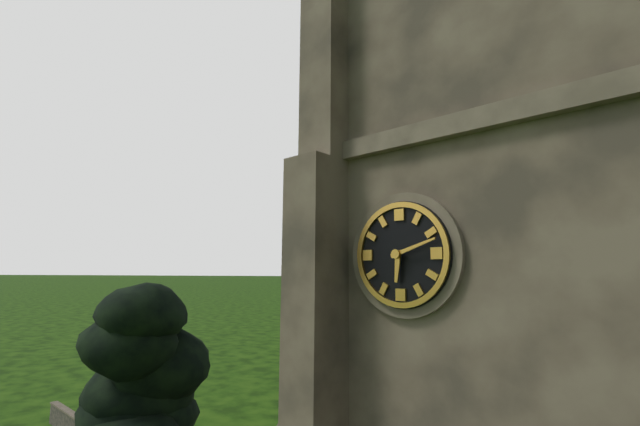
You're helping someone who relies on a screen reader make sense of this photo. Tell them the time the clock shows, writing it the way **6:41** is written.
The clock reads **6:12**
